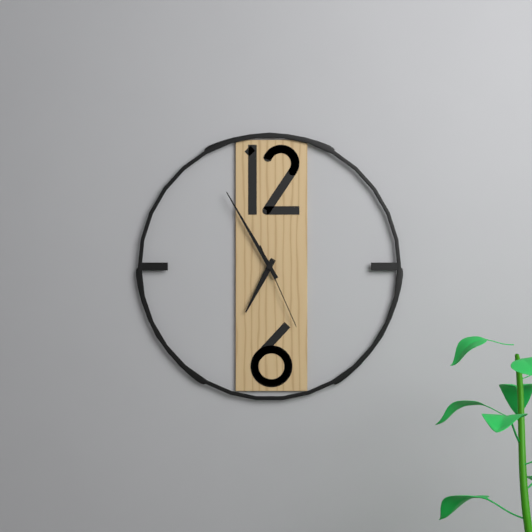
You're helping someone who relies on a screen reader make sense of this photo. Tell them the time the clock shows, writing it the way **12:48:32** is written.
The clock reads **6:55:26**
